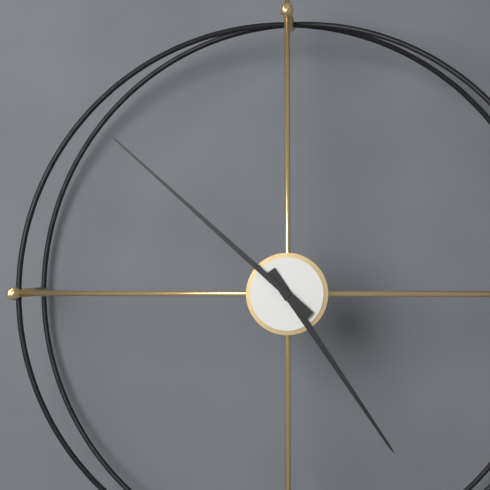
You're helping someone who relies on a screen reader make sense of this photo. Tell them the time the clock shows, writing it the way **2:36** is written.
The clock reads **4:52**
